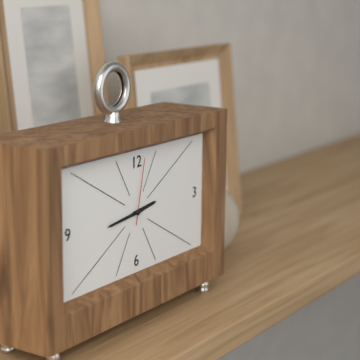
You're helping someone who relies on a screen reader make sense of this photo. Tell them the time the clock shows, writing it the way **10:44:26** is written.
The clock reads **2:44:02**
